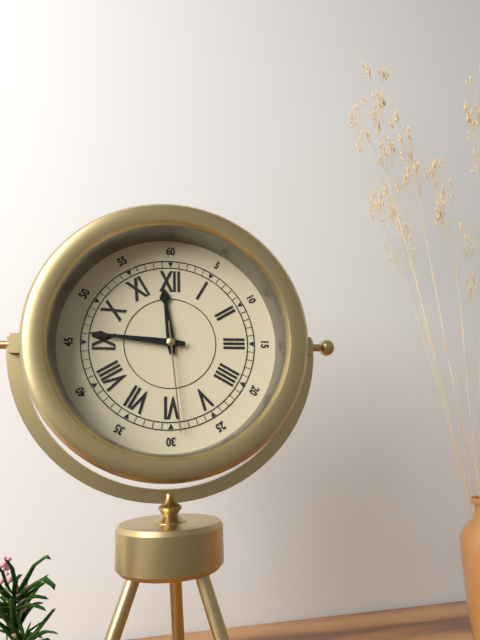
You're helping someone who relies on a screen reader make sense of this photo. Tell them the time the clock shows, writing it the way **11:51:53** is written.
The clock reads **11:46:29**
